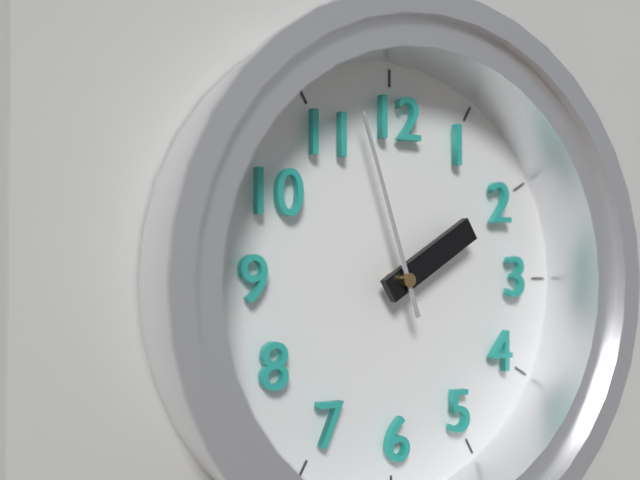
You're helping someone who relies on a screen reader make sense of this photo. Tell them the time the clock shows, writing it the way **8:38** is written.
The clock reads **1:57**
